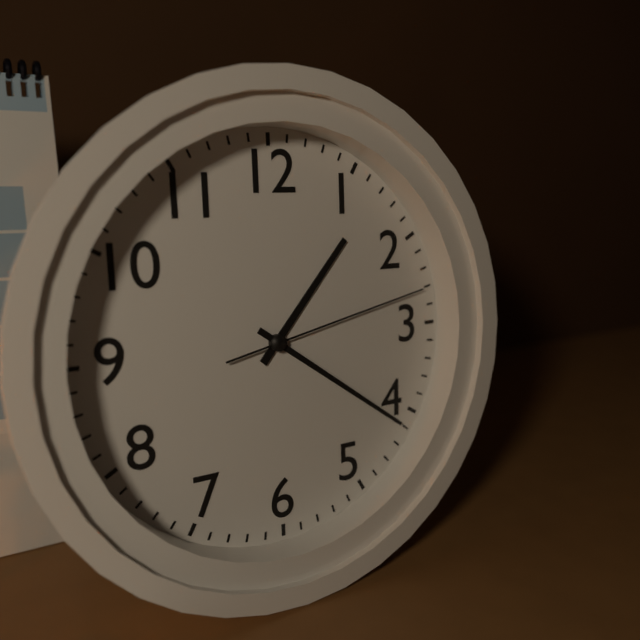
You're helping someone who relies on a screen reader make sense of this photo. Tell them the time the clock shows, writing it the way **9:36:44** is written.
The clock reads **1:21:13**
